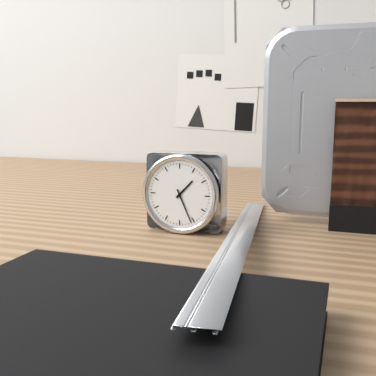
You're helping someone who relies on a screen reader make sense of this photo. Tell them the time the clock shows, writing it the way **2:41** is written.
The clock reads **1:26**
